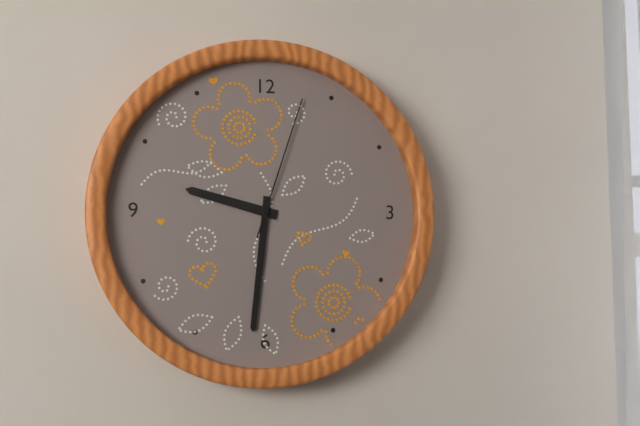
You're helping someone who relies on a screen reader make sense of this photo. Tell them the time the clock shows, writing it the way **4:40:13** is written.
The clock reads **9:31:03**
